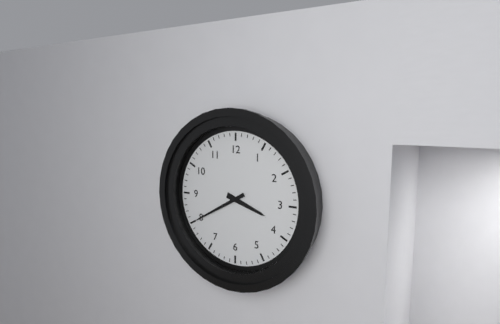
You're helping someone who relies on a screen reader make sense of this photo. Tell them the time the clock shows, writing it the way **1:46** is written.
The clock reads **3:40**
